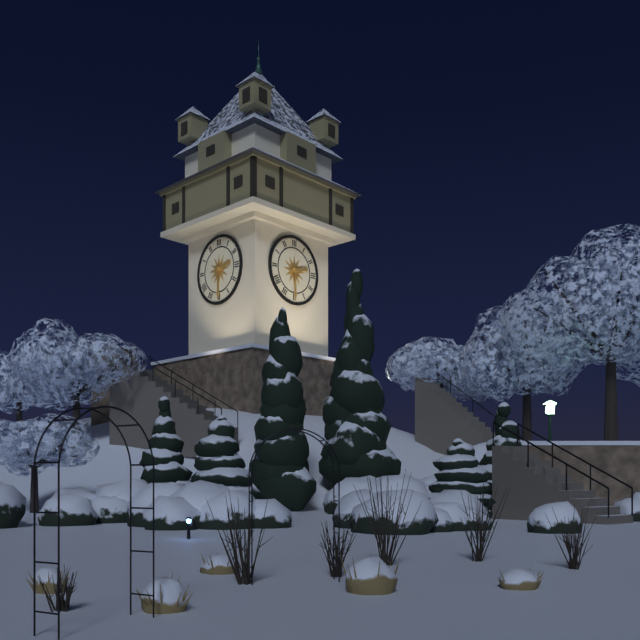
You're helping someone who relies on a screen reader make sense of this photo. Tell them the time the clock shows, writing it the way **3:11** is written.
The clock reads **2:30**
